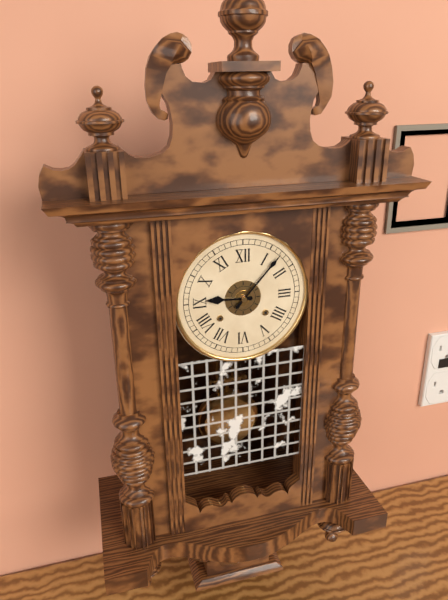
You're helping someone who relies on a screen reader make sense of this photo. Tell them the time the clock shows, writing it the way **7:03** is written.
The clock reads **9:07**
